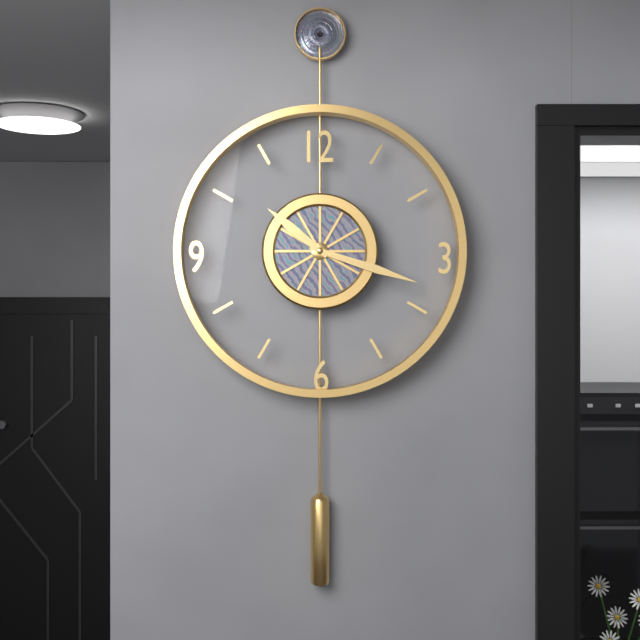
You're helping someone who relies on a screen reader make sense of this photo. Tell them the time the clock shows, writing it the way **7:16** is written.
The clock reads **10:18**
